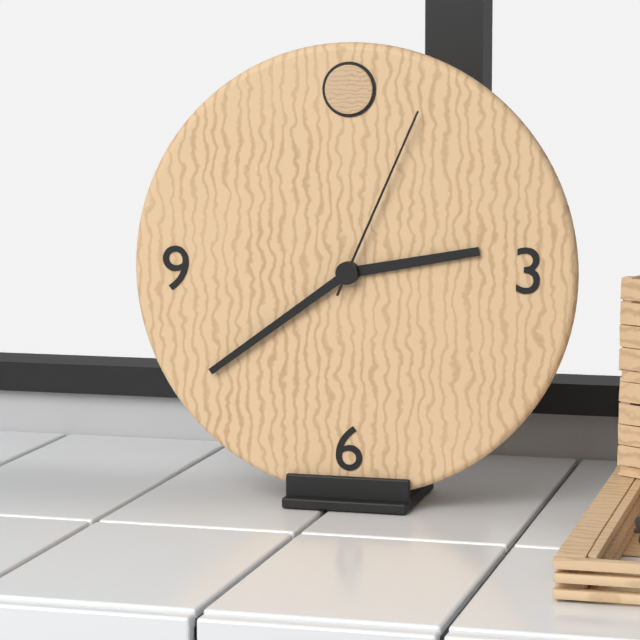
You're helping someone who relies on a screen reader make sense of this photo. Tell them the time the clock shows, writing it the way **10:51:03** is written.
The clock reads **2:39:04**
